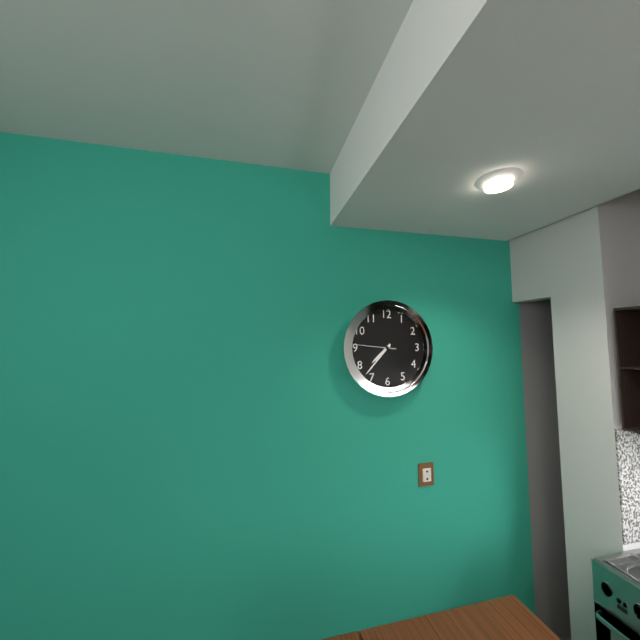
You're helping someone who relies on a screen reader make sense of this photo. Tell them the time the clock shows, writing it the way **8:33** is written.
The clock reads **7:37**
